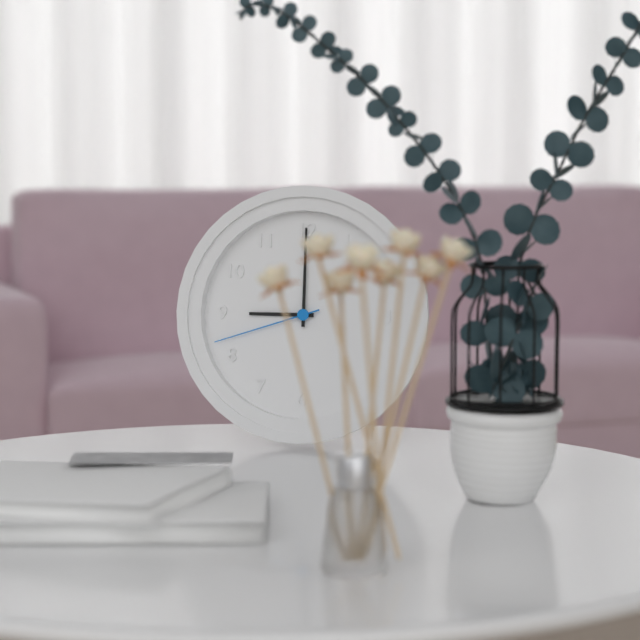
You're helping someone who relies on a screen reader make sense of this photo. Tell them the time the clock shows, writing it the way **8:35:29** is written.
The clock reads **9:00:42**
